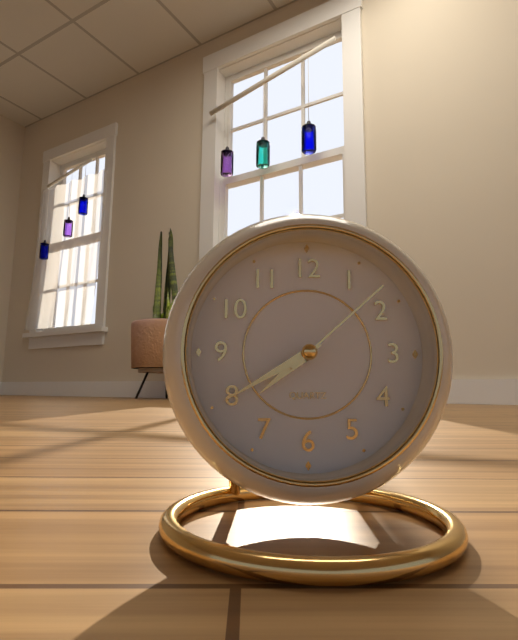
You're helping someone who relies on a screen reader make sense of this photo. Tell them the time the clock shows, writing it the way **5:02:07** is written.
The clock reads **7:40:08**
